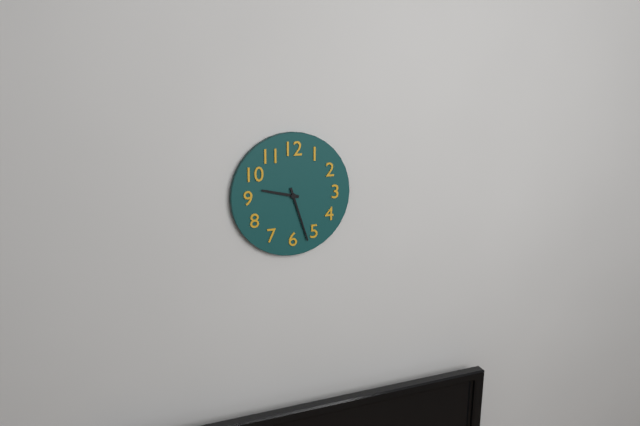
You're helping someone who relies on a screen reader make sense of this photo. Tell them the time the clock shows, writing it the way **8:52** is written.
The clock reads **9:27**
